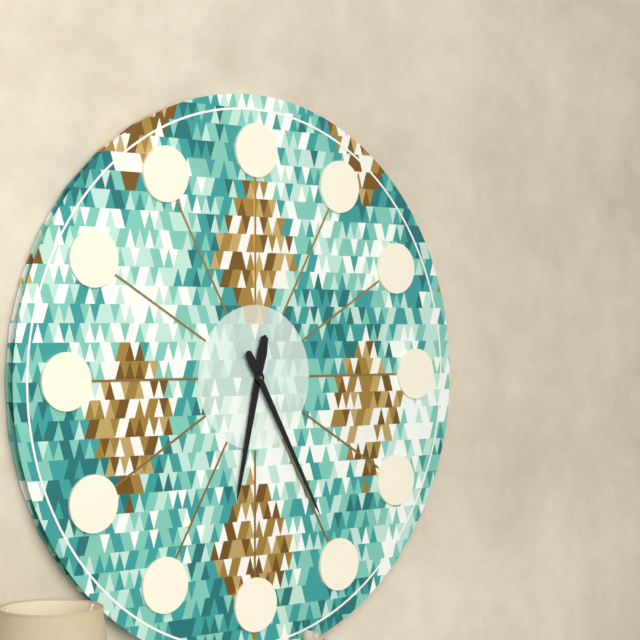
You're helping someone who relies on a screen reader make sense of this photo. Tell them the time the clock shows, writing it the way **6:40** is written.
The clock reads **6:25**
